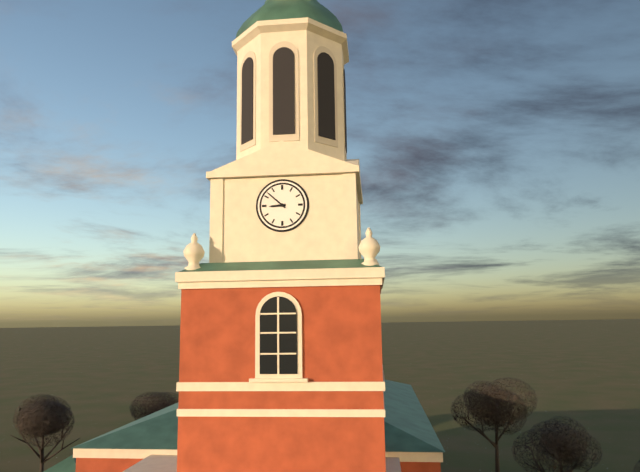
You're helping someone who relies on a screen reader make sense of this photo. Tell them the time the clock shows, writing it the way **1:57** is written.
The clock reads **8:52**
